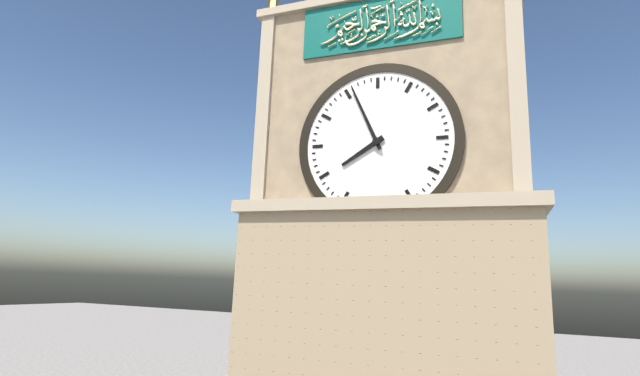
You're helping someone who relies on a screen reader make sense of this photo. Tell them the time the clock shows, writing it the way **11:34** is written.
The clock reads **7:56**
